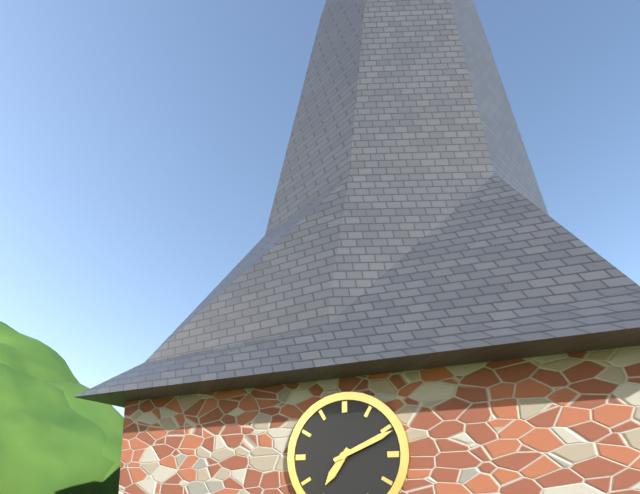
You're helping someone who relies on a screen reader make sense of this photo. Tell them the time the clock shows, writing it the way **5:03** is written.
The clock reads **7:11**
